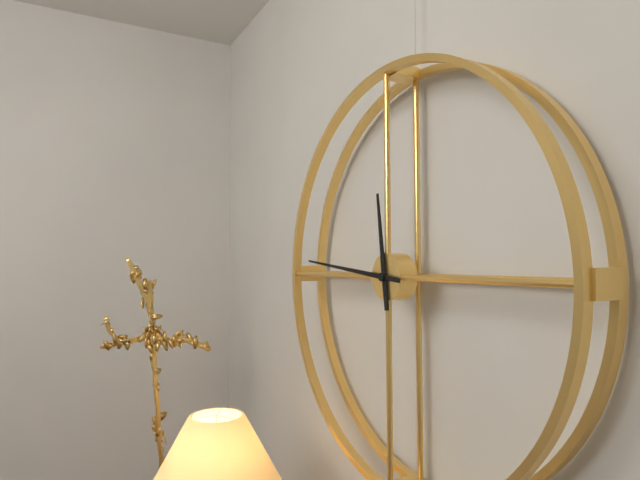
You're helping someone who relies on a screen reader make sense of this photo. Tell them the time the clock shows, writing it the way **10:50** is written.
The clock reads **11:46**
